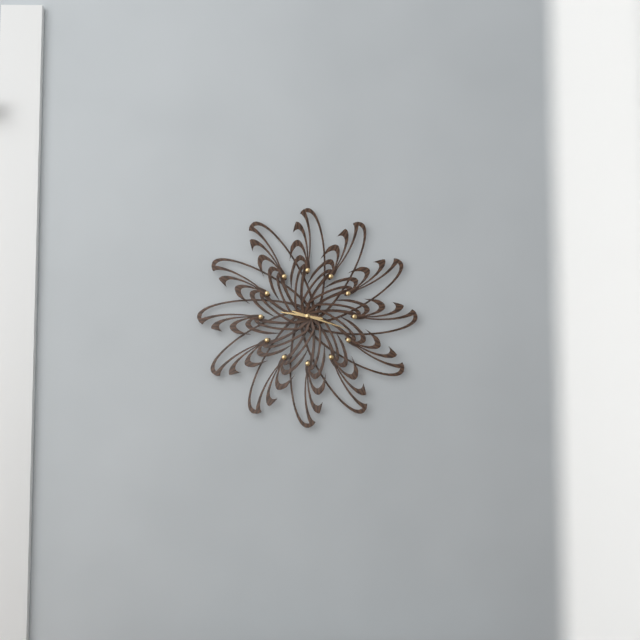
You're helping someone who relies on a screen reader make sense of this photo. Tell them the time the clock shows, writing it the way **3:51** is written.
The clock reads **9:18**
